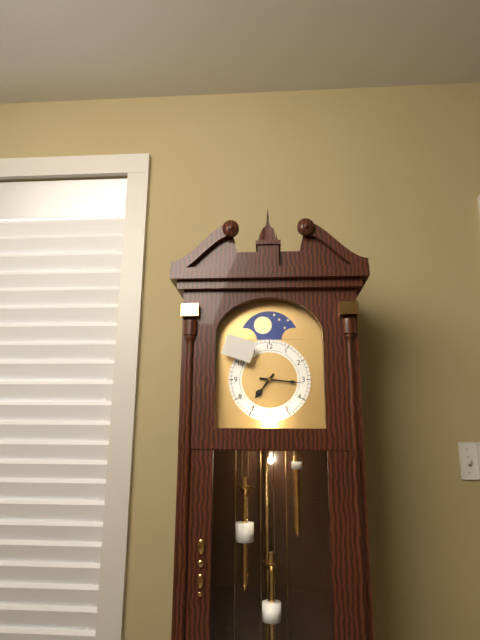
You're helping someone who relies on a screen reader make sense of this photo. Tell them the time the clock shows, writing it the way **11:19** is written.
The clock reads **7:16**
